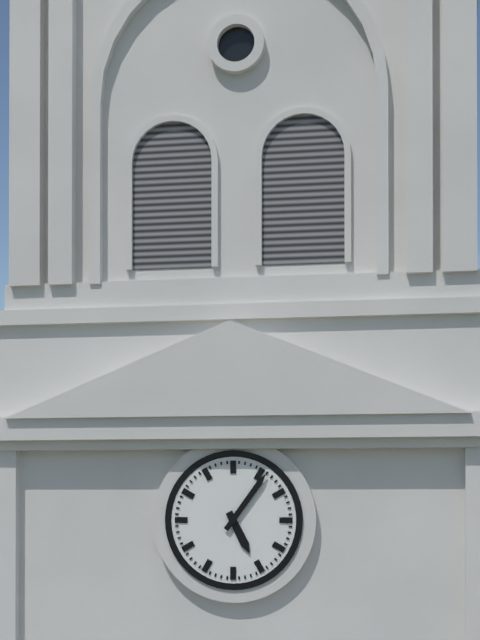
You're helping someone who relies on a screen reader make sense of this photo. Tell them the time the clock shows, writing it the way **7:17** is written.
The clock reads **5:06**
